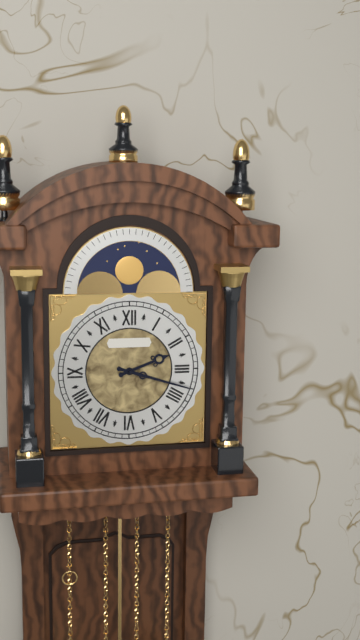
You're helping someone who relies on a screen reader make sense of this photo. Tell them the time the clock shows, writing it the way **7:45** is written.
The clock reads **2:18**
